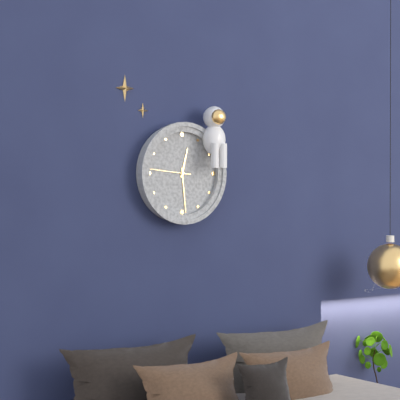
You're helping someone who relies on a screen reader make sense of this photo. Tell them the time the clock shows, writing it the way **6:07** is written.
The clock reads **12:29**
